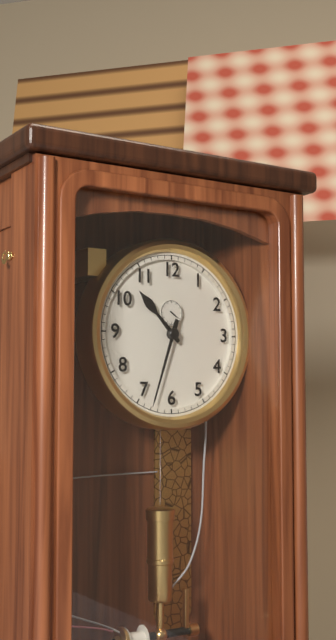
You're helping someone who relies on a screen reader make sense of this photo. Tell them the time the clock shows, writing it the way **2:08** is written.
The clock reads **10:33**
